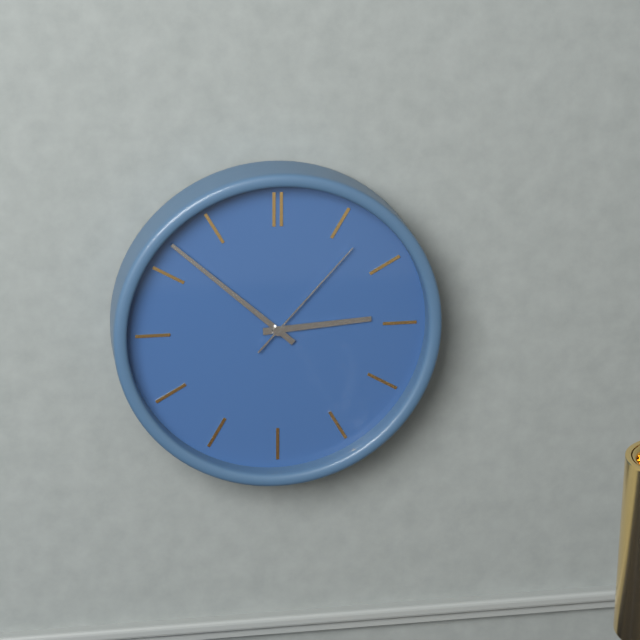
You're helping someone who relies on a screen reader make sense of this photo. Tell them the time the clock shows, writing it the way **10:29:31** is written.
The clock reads **2:52:07**
